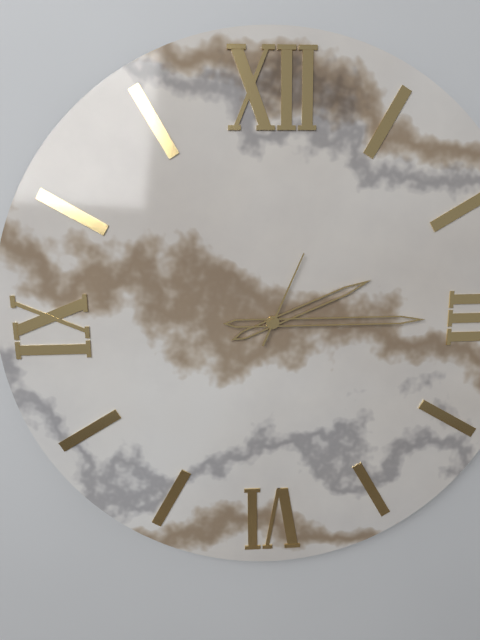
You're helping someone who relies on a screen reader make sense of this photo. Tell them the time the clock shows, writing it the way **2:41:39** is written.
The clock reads **2:15:04**
